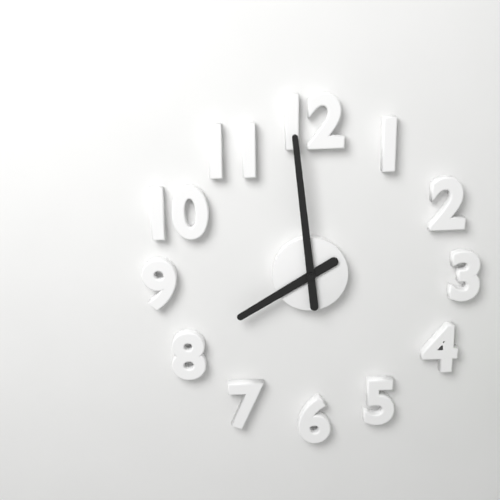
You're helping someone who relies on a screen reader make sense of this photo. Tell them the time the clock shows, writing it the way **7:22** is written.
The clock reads **7:59**
